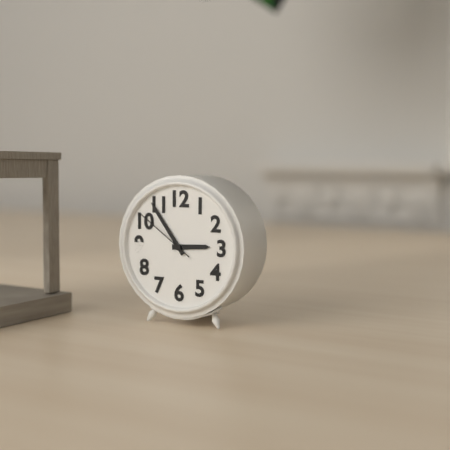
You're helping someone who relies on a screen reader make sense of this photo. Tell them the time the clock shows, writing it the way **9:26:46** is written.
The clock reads **2:54:51**
